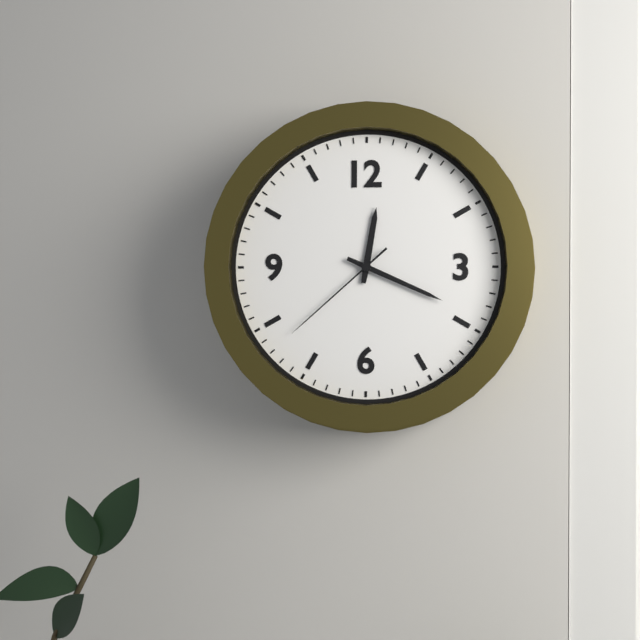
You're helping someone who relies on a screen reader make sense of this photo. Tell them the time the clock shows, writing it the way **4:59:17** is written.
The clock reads **12:19:38**
